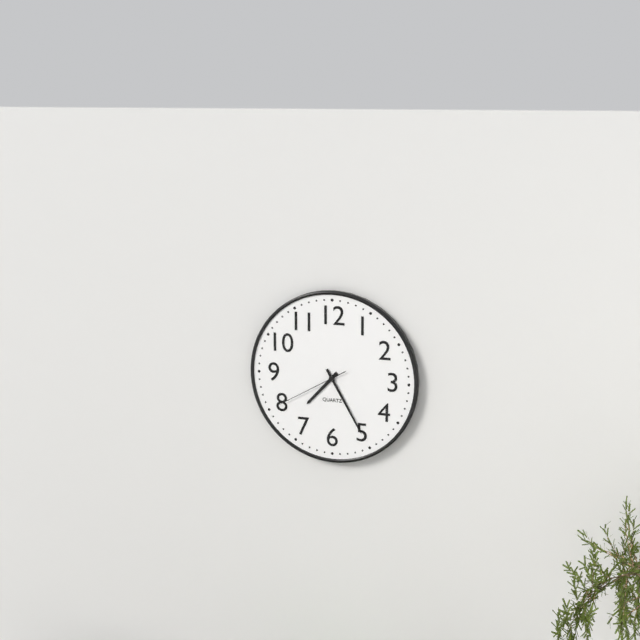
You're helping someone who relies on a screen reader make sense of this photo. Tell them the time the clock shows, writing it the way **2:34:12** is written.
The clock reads **7:25:40**
